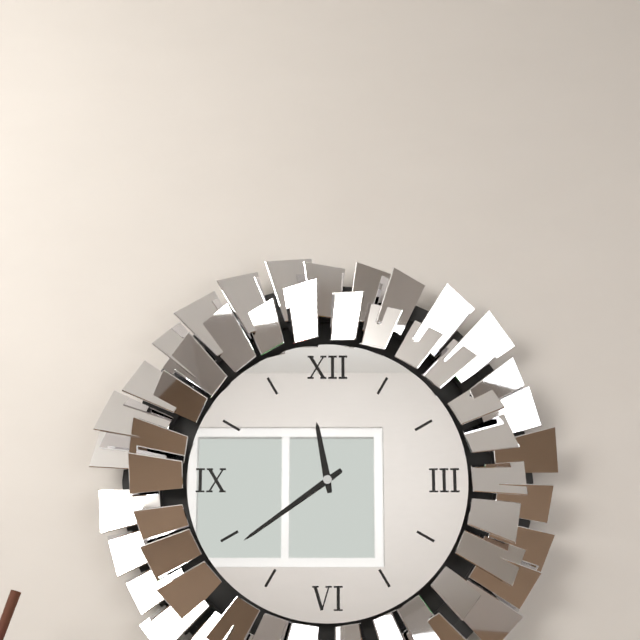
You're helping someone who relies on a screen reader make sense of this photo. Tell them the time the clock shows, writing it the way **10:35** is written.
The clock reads **11:39**
